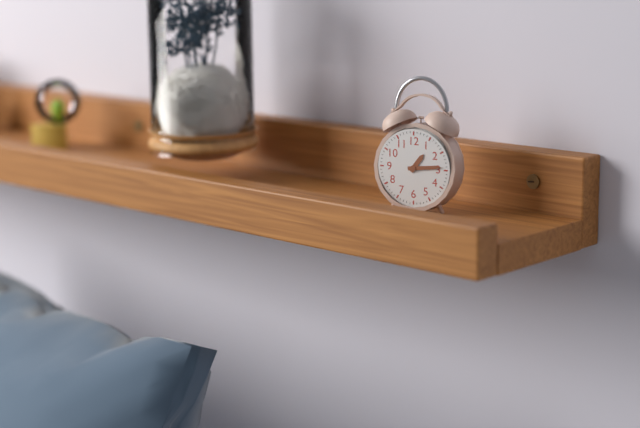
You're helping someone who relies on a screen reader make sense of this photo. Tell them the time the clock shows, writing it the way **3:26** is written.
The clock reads **1:14**
